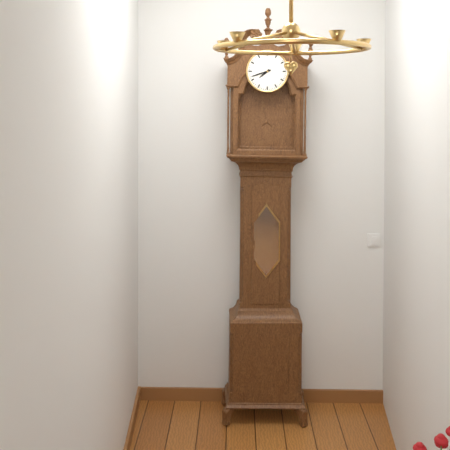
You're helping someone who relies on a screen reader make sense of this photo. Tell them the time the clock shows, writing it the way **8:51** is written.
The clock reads **7:42**
